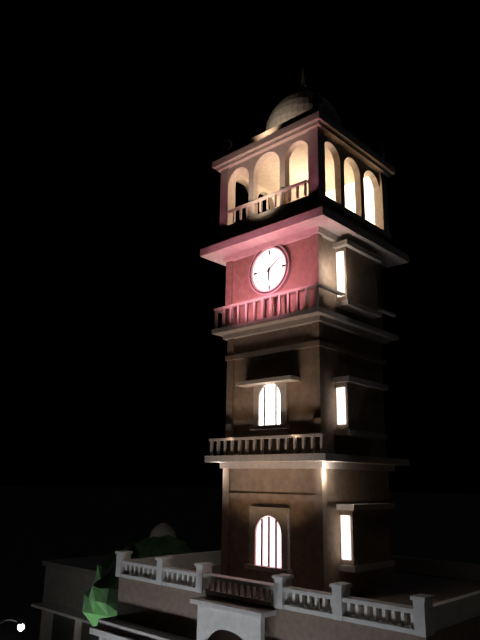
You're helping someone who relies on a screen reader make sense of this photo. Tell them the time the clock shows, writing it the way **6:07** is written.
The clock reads **6:09**
